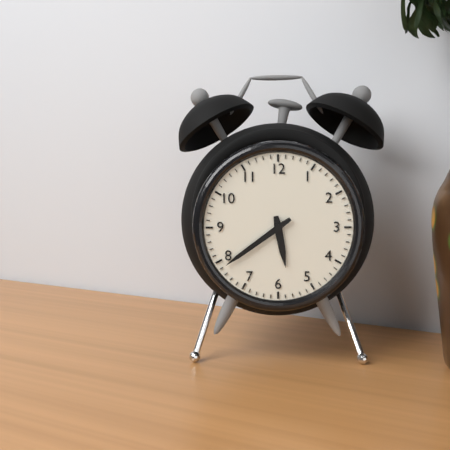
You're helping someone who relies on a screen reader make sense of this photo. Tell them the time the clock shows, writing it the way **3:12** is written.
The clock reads **5:39**
